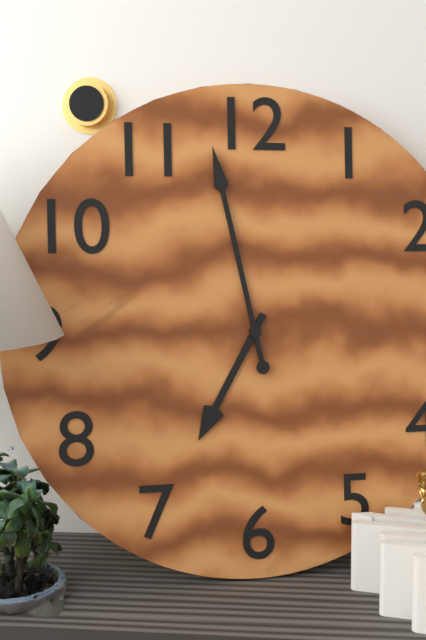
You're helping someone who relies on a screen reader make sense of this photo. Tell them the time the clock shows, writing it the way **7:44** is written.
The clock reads **6:58**
